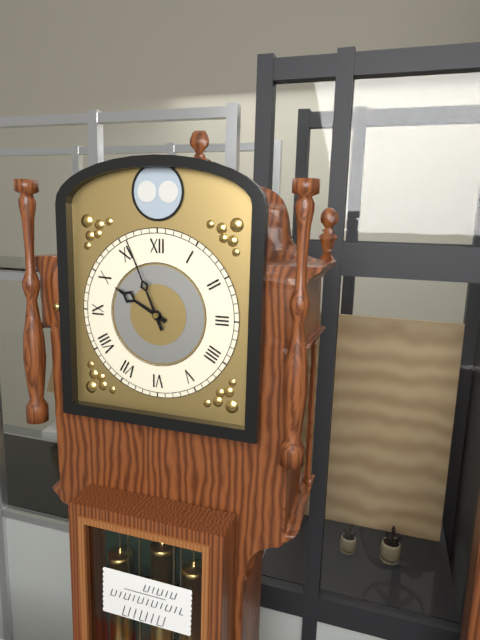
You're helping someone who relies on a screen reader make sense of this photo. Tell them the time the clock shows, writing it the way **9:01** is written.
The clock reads **9:56**
